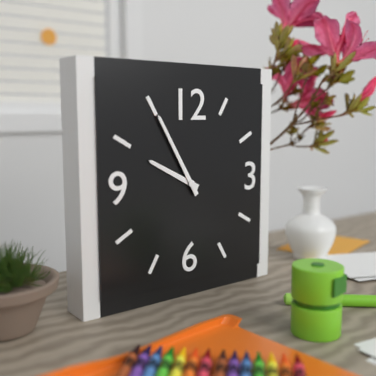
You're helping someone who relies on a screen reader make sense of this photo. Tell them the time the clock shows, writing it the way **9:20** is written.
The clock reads **9:55**
